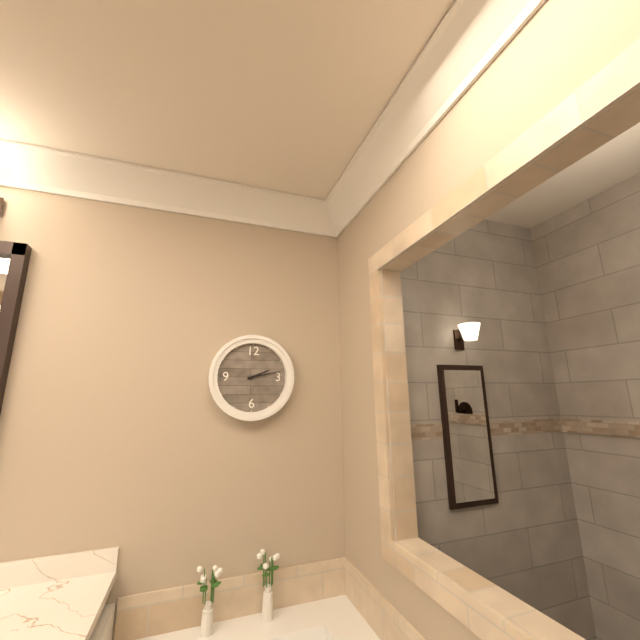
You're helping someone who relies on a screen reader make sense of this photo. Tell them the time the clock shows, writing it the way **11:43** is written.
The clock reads **2:13**
